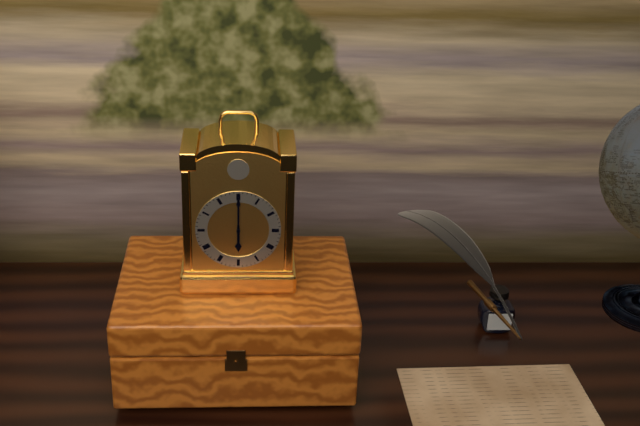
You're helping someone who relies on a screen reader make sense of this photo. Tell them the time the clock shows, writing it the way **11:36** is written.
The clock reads **6:00**
